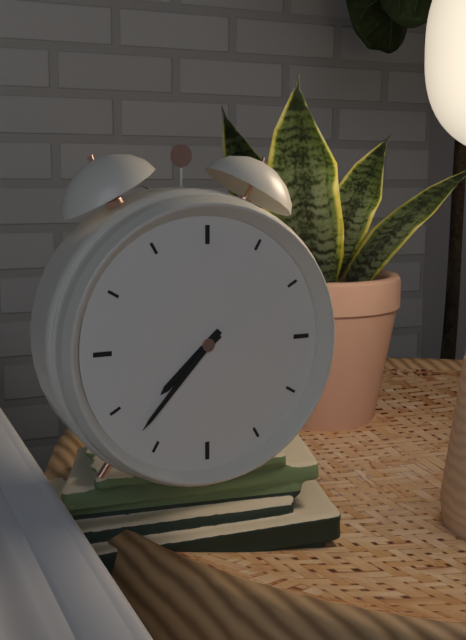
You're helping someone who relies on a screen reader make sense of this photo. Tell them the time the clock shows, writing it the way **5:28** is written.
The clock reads **7:37**
